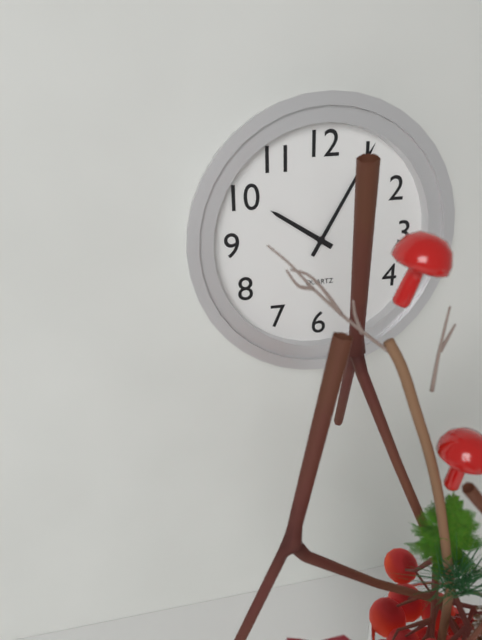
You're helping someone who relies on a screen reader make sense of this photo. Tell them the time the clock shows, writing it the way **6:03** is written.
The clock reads **10:05**
